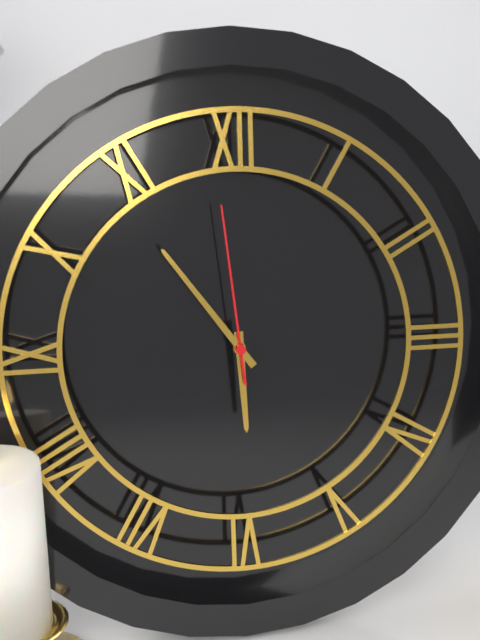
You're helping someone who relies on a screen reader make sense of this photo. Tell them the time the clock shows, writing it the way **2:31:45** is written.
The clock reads **5:54:59**
